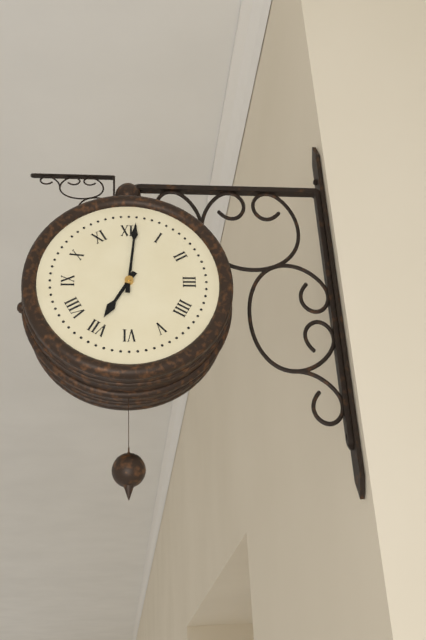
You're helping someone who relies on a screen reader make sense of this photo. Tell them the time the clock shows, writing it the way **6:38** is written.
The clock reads **7:01**
